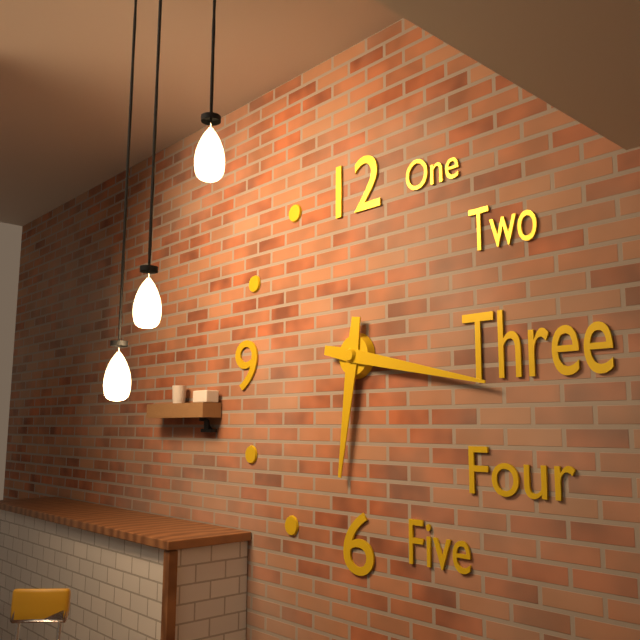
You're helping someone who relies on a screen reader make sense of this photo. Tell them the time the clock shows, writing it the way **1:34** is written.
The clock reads **6:17**
